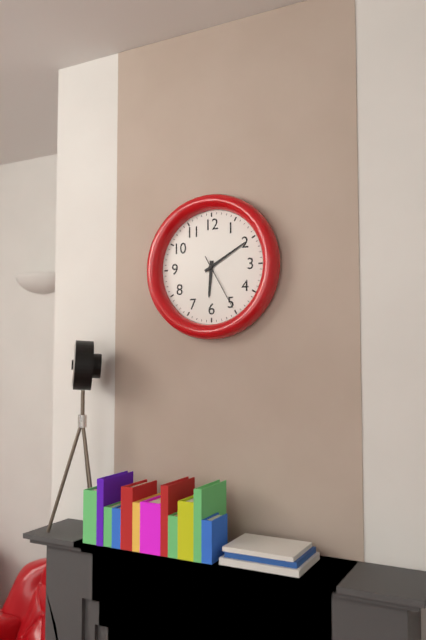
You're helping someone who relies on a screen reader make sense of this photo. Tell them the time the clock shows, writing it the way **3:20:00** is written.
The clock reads **6:10:25**
